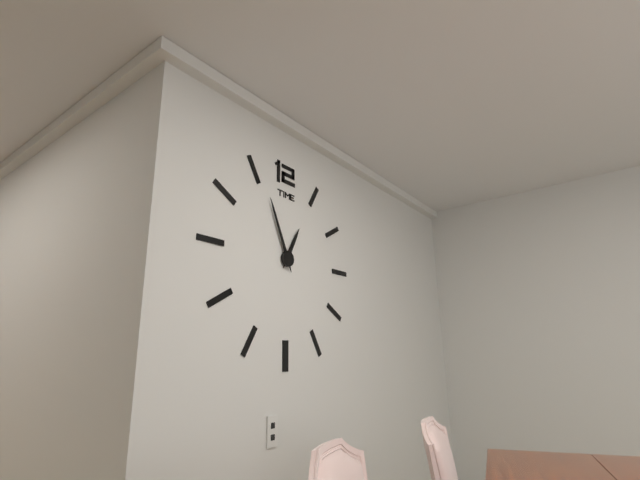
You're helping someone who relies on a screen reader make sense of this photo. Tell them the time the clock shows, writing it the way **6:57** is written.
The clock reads **12:56**
